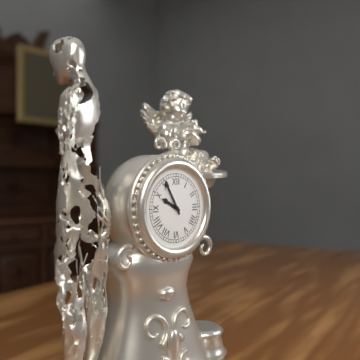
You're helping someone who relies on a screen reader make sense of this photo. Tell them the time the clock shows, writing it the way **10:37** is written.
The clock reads **9:55**
